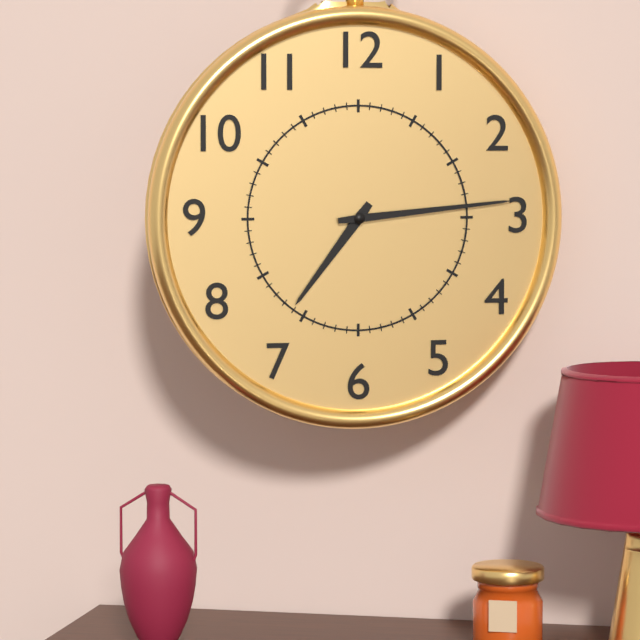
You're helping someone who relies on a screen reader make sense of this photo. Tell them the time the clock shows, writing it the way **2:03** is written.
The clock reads **7:14**
